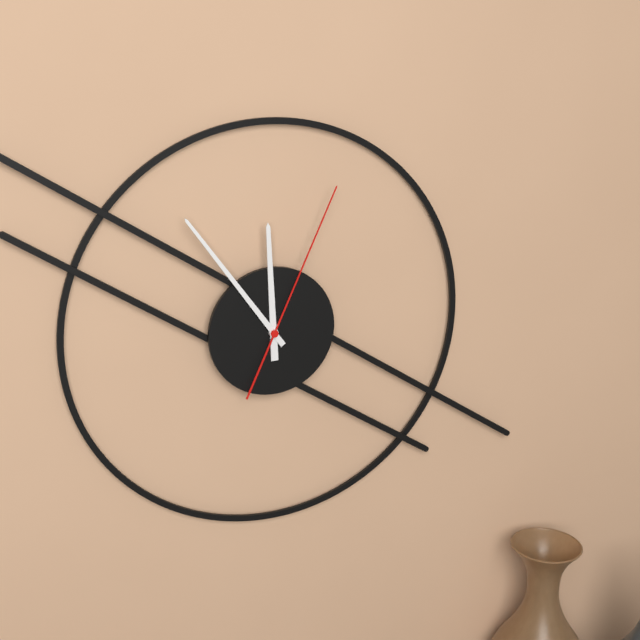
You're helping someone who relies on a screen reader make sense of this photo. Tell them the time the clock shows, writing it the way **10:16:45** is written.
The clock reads **11:54:04**
